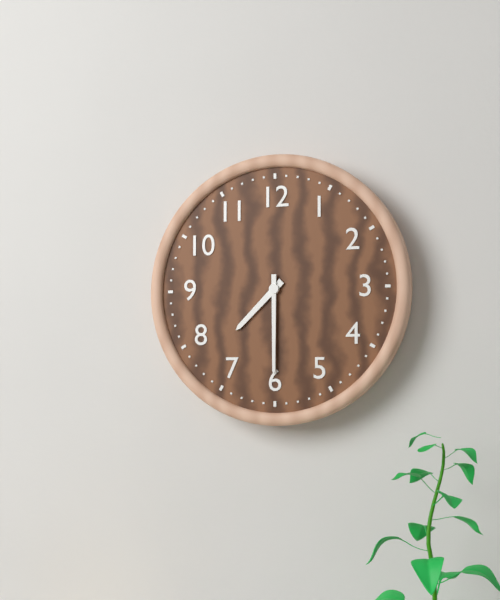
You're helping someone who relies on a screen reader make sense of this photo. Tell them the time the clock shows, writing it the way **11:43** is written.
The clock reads **7:30**
